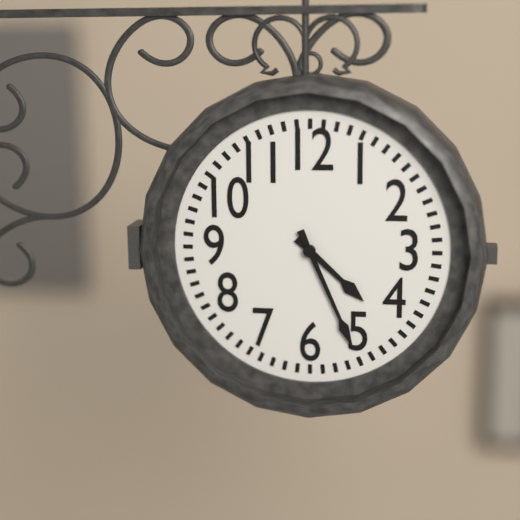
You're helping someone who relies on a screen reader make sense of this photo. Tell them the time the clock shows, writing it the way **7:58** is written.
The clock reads **4:26**
